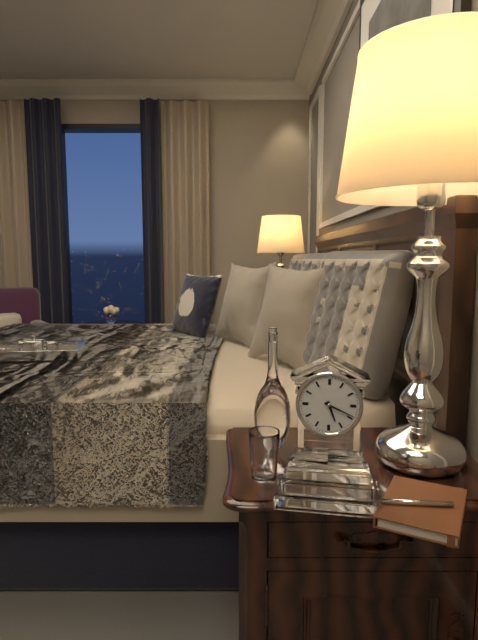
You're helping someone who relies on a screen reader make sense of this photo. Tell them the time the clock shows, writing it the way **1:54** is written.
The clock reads **5:19**
